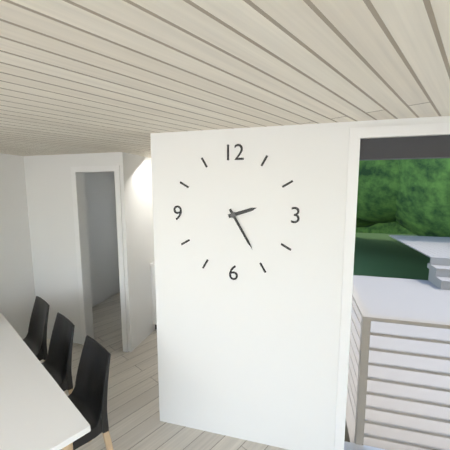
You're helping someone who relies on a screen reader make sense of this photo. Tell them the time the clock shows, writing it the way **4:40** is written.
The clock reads **2:25**
